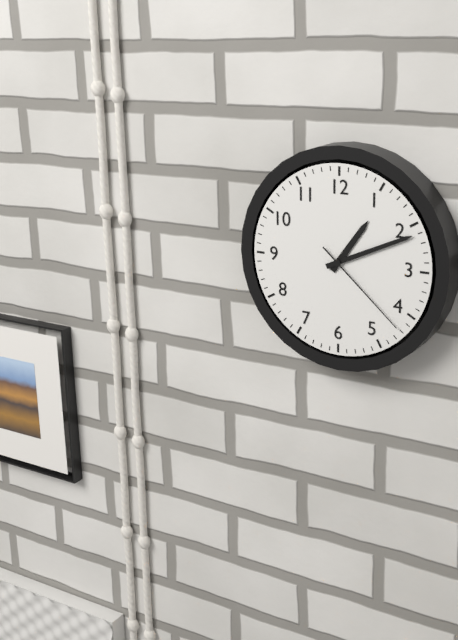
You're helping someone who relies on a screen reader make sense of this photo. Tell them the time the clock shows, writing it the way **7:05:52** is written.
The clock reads **1:11:22**
